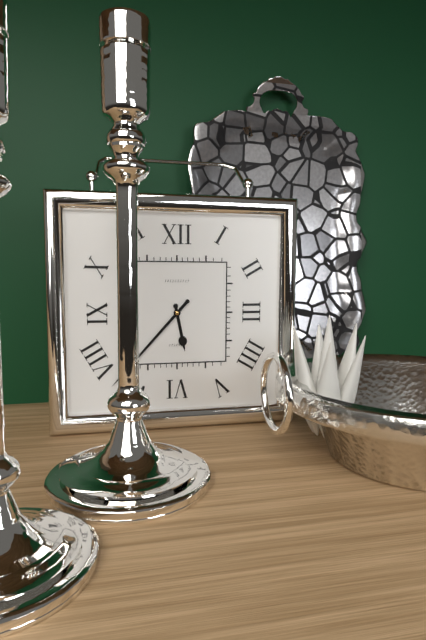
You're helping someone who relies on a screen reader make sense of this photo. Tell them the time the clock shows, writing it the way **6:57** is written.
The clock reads **5:37**
